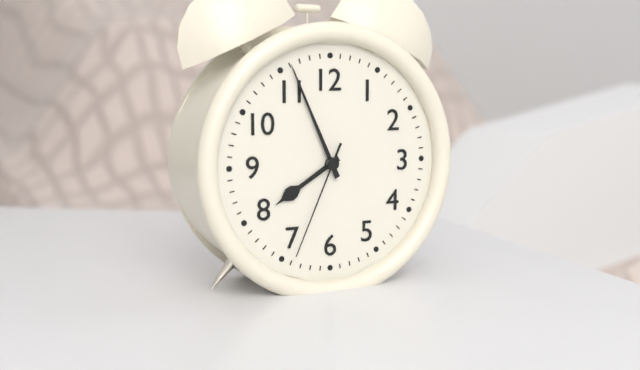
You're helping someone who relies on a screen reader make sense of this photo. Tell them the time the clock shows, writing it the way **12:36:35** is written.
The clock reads **7:56:34**
